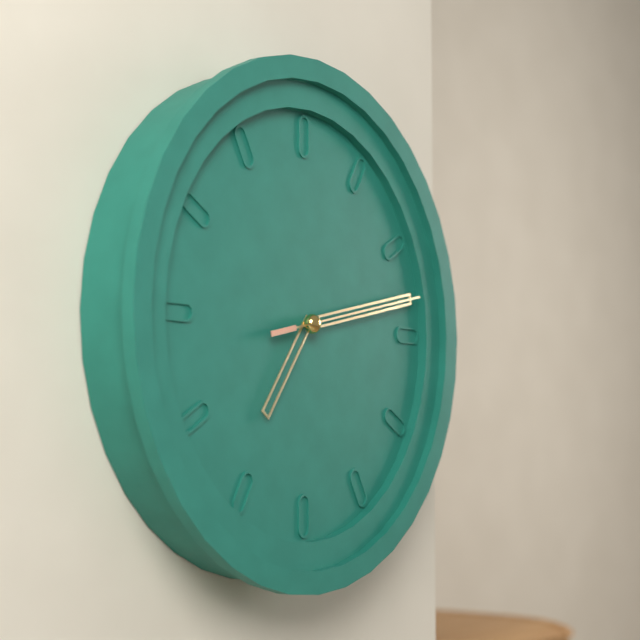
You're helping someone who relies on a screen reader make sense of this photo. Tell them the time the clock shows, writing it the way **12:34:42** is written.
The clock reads **7:13:13**
